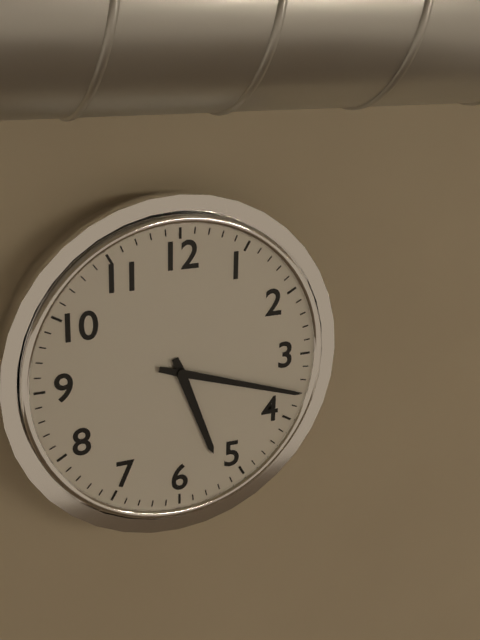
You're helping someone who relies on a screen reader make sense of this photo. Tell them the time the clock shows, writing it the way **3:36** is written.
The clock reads **5:18**
